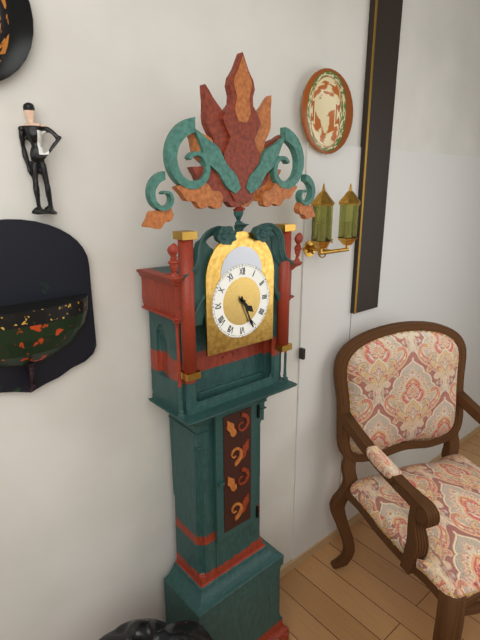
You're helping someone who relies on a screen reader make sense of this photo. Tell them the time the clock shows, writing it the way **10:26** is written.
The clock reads **4:26**
